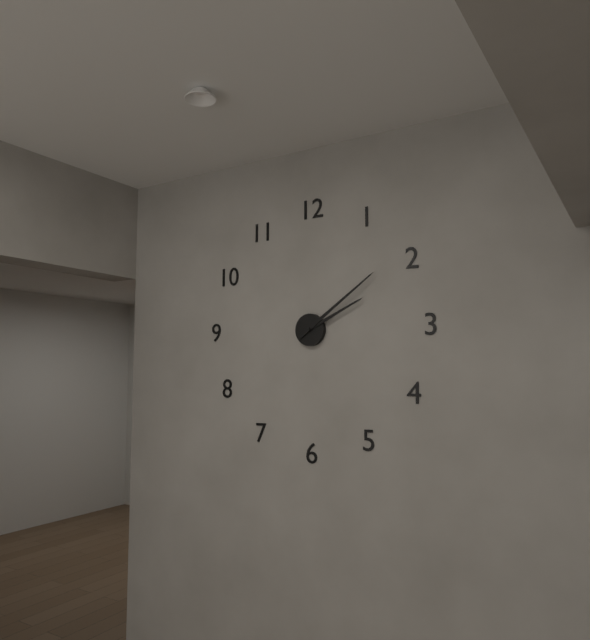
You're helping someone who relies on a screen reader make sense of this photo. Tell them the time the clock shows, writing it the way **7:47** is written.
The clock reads **2:09**
